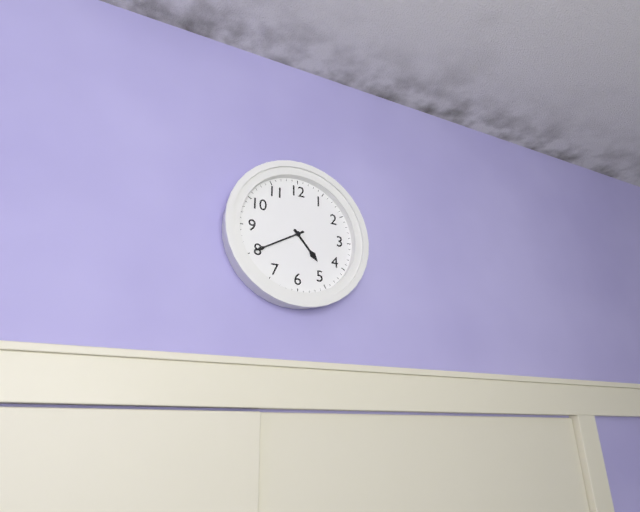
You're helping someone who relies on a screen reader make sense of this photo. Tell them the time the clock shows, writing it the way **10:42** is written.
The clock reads **4:40**
